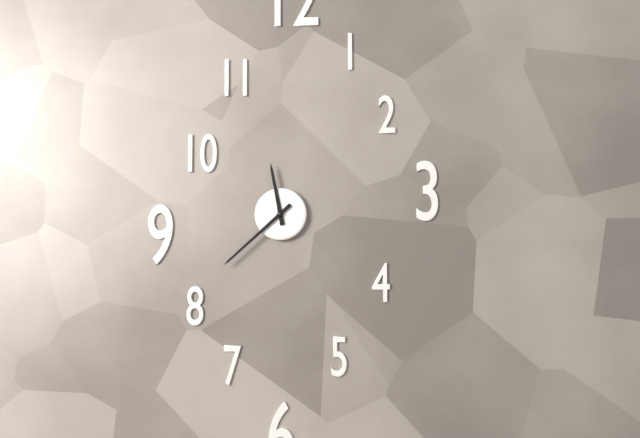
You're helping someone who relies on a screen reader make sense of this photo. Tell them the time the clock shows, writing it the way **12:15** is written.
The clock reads **11:38**
